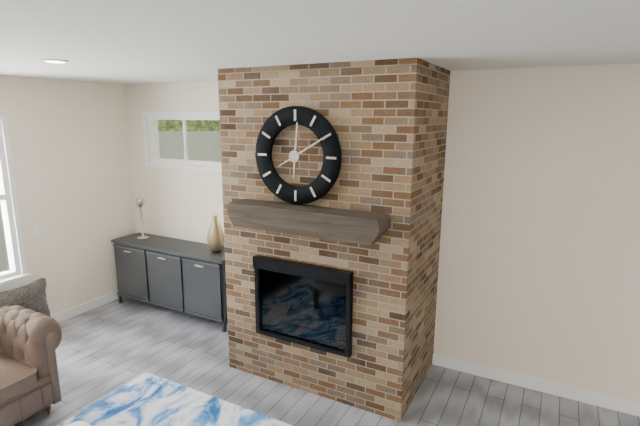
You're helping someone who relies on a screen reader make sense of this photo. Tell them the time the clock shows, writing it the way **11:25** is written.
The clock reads **12:10**
